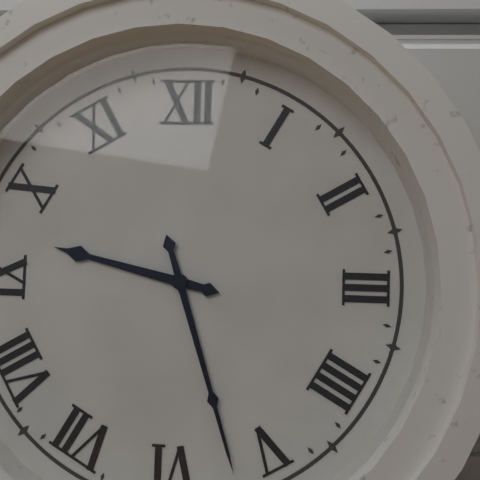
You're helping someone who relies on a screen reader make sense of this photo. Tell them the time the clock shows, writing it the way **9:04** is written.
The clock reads **9:27**
